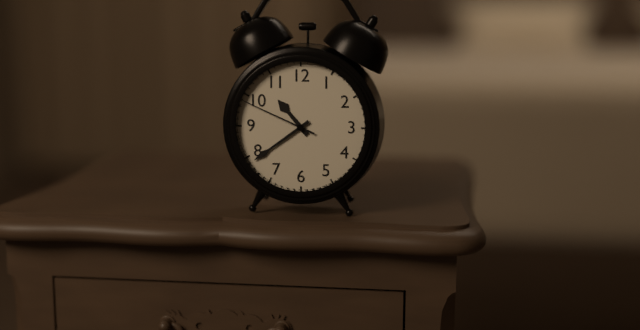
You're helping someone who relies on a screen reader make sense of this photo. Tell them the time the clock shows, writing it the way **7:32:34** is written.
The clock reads **10:39:49**
